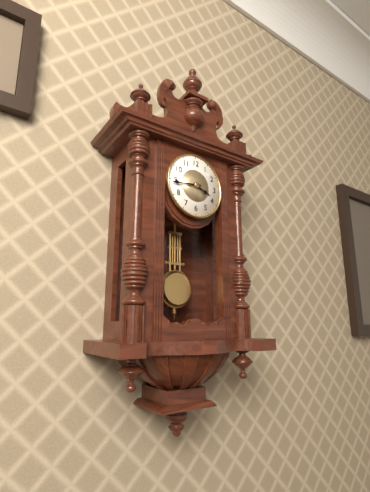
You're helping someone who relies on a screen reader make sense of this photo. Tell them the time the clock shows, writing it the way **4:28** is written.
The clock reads **3:44**
